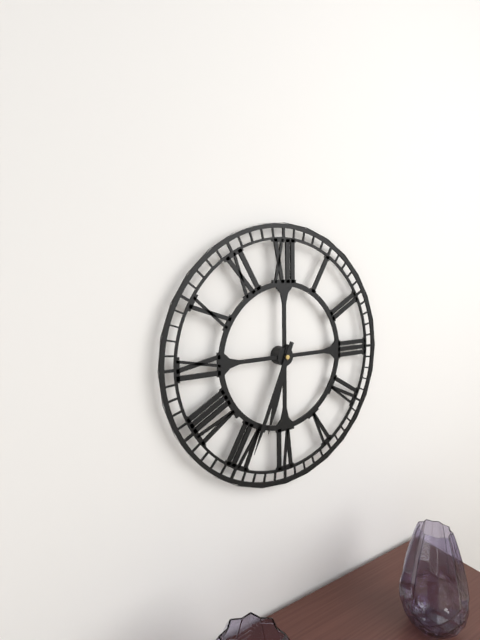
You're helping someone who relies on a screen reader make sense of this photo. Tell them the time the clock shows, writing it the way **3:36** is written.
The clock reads **6:34**
